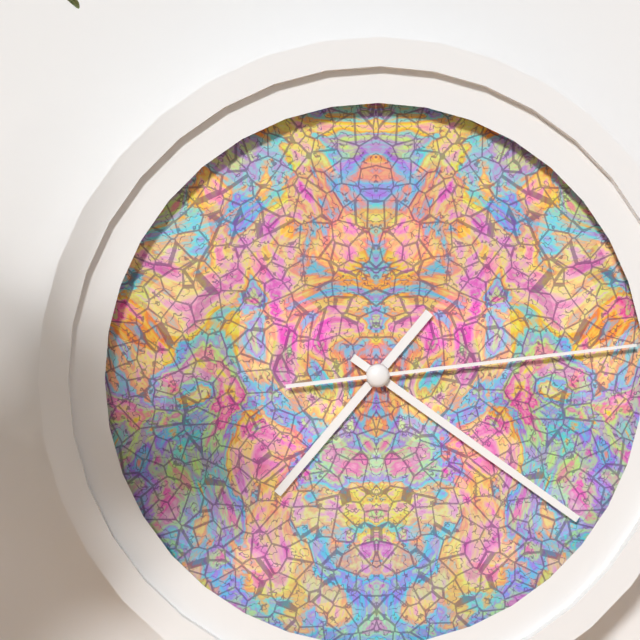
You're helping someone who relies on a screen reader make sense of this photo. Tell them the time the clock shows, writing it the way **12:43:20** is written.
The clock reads **7:21:14**
